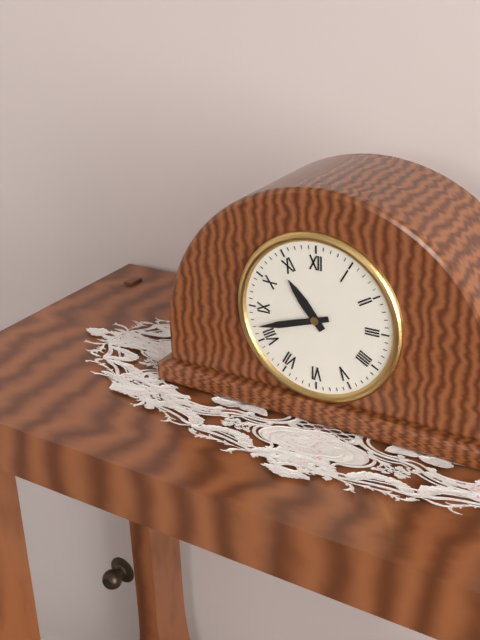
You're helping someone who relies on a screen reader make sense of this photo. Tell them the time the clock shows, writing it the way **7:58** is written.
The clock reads **10:42**
